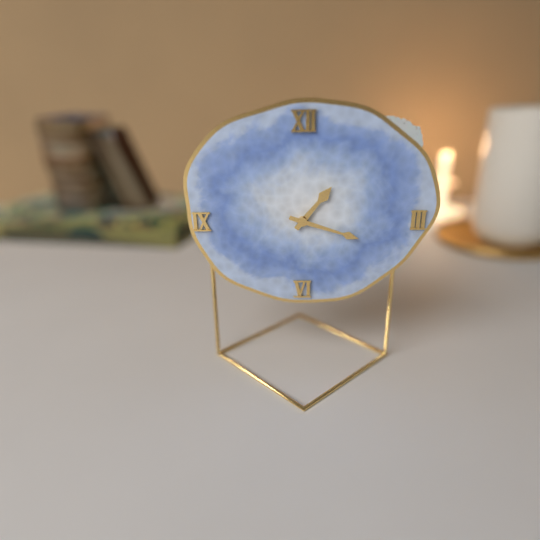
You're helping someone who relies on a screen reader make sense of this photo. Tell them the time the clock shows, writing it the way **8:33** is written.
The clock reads **1:18**
